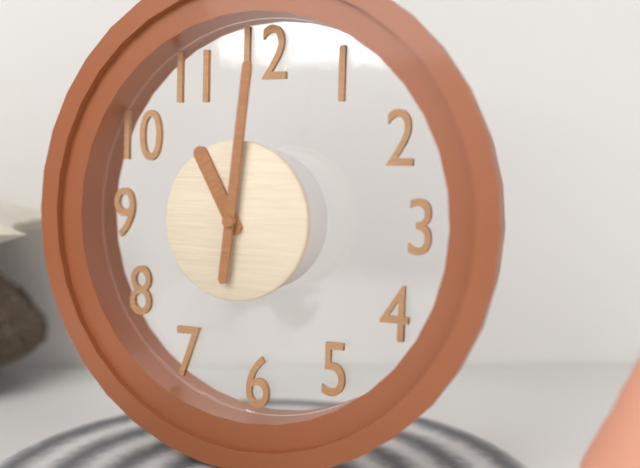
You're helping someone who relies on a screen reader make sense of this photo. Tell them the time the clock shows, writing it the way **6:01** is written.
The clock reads **11:01**
